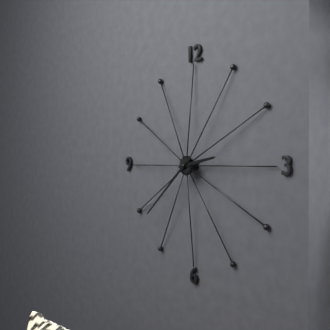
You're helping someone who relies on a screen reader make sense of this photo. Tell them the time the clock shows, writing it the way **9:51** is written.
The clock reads **2:38**
